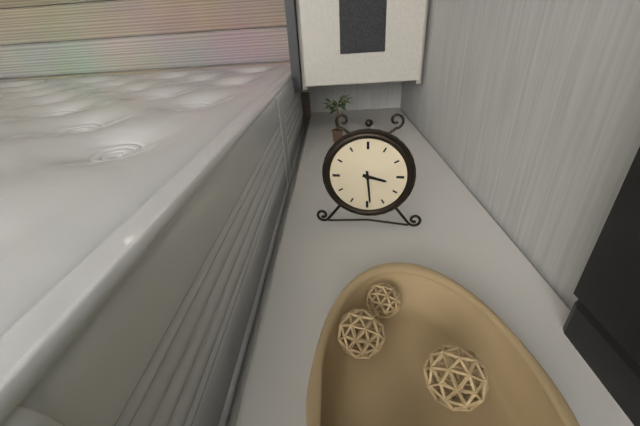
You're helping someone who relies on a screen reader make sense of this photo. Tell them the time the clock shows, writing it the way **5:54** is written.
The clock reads **3:29**
